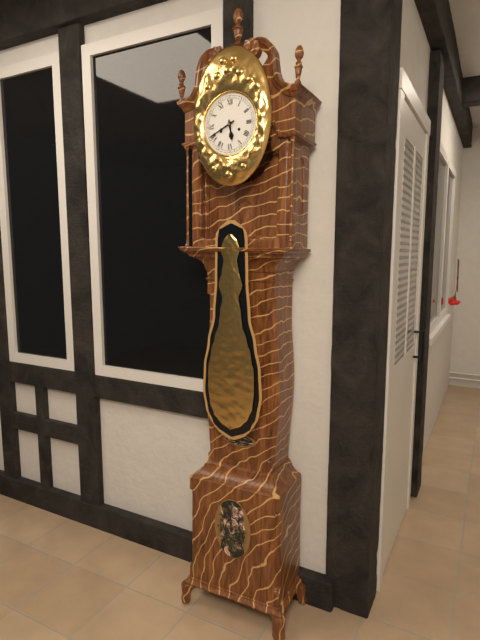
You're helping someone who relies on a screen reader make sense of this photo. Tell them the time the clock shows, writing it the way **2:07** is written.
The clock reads **5:41**
